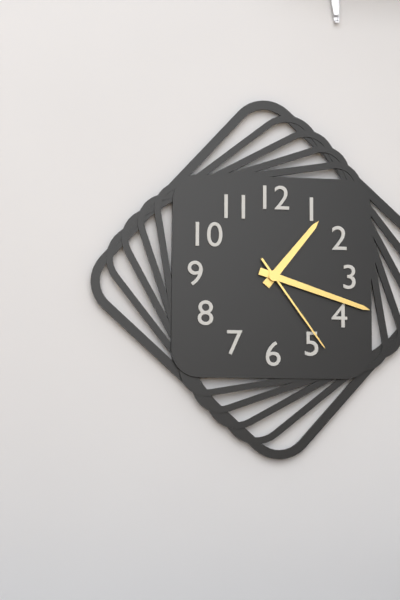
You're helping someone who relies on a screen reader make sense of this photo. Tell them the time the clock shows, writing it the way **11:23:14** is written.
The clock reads **1:18:24**
